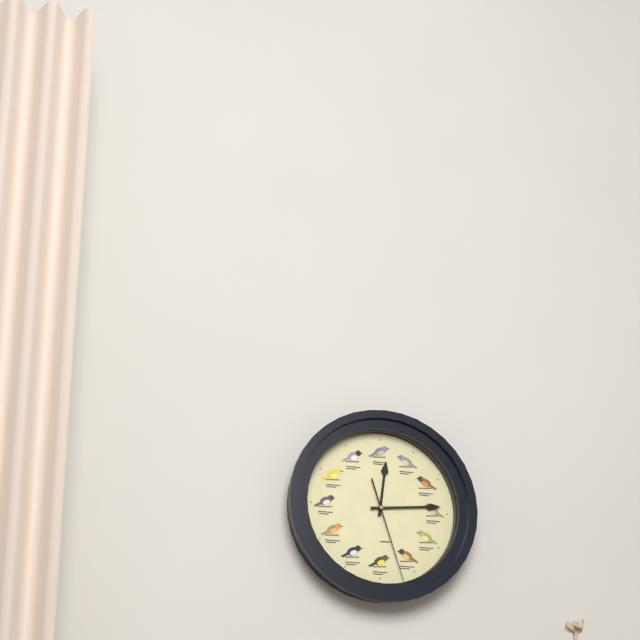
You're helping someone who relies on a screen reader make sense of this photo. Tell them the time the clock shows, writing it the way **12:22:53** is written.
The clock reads **12:14:27**
